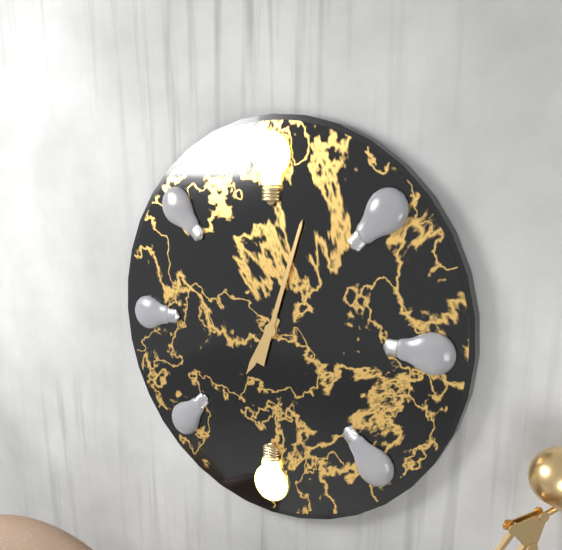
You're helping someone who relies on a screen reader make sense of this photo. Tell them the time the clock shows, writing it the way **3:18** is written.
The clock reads **7:03**
